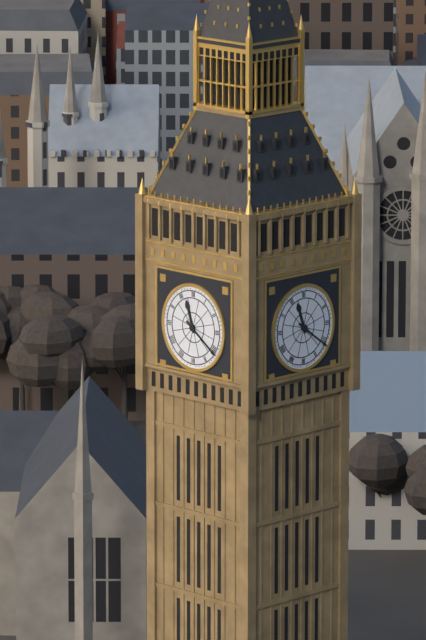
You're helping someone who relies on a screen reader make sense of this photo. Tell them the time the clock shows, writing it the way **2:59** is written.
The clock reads **11:21**
